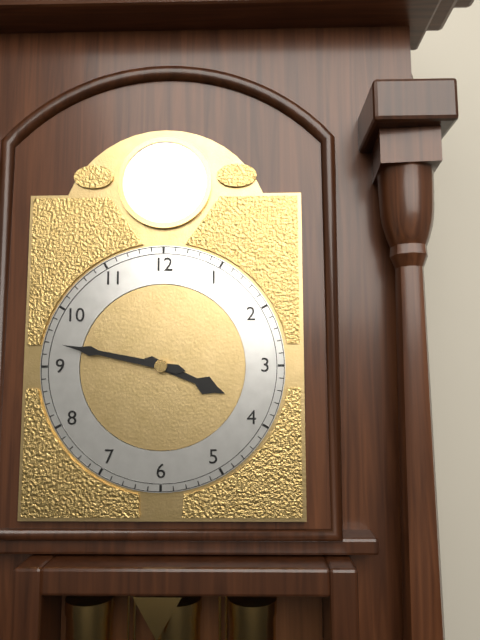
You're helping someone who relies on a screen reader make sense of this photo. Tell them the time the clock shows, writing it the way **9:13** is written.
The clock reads **3:47**
